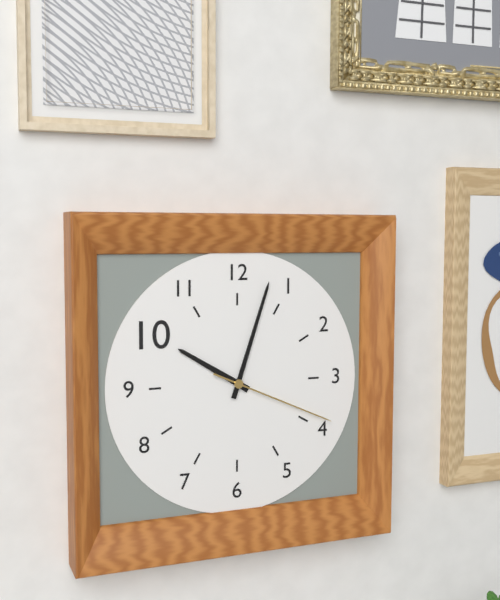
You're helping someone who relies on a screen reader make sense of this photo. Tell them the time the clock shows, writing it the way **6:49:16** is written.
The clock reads **10:03:19**
